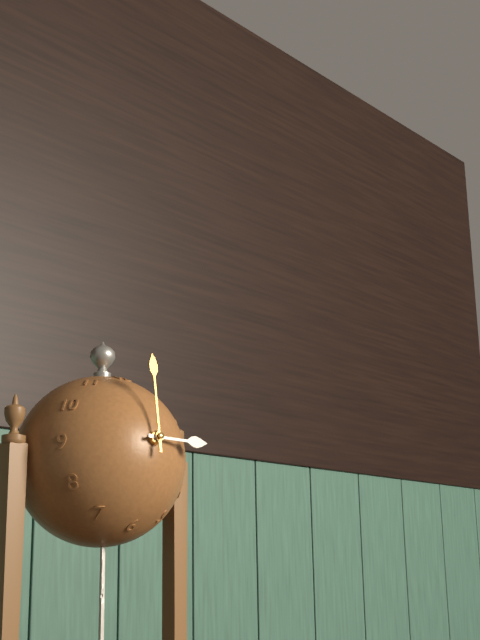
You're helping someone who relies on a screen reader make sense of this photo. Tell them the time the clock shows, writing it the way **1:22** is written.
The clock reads **3:00**
